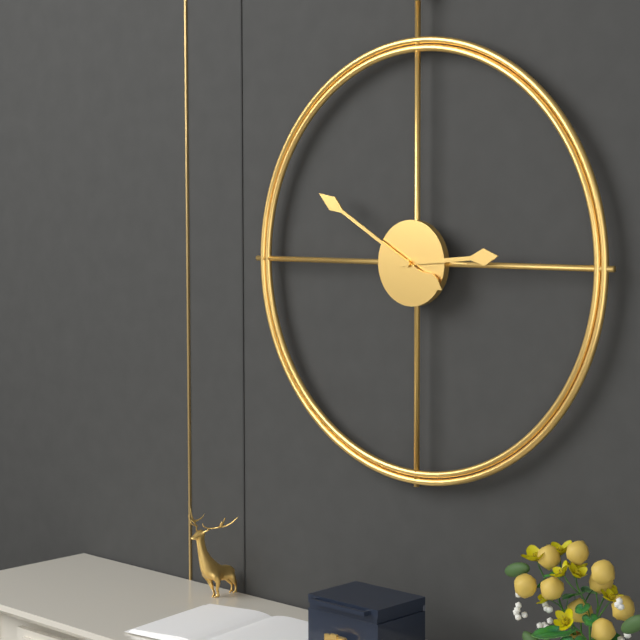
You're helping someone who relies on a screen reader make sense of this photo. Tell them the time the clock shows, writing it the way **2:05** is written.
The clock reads **2:50**
